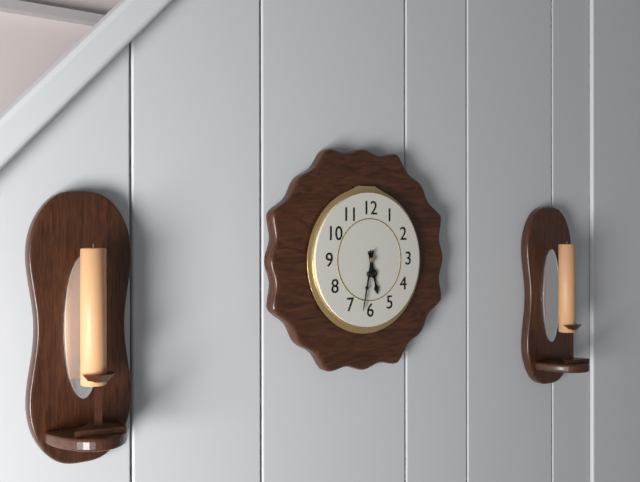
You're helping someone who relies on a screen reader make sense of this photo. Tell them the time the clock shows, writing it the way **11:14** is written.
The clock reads **5:32**
